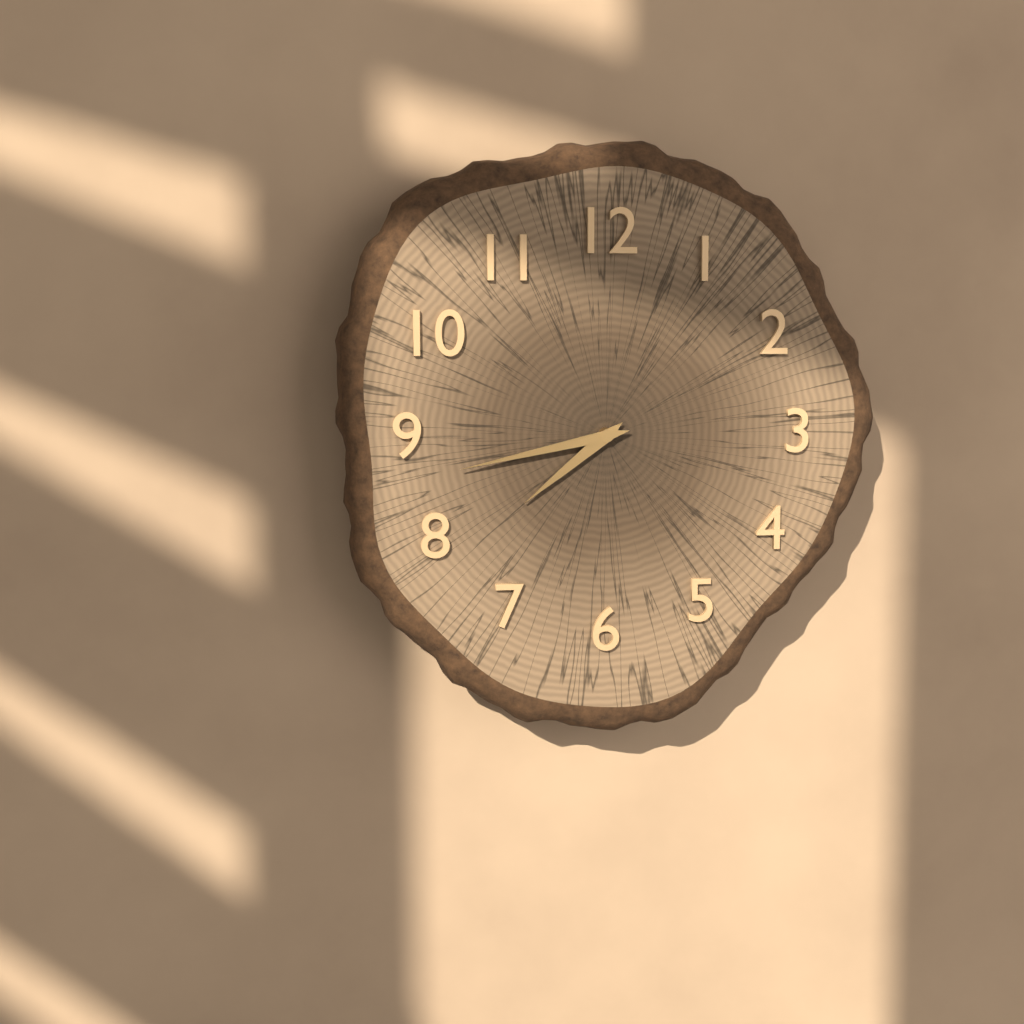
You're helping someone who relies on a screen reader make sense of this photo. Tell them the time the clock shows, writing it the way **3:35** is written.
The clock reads **7:43**
